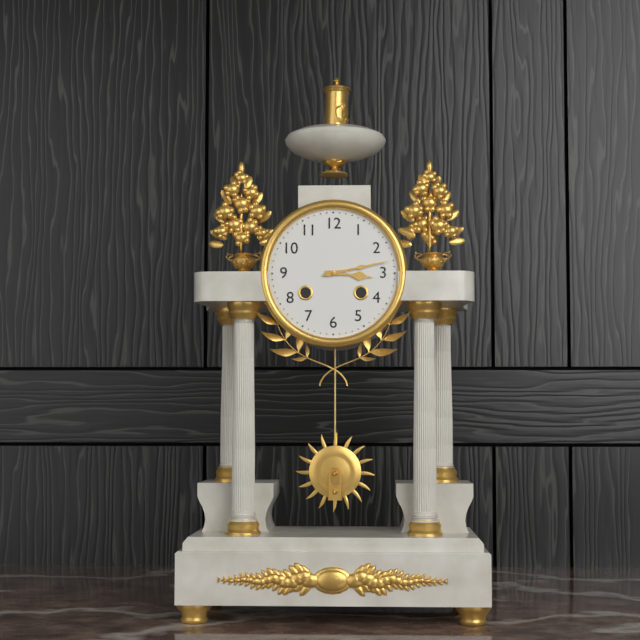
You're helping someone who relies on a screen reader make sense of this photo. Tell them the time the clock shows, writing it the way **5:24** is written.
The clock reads **3:13**
